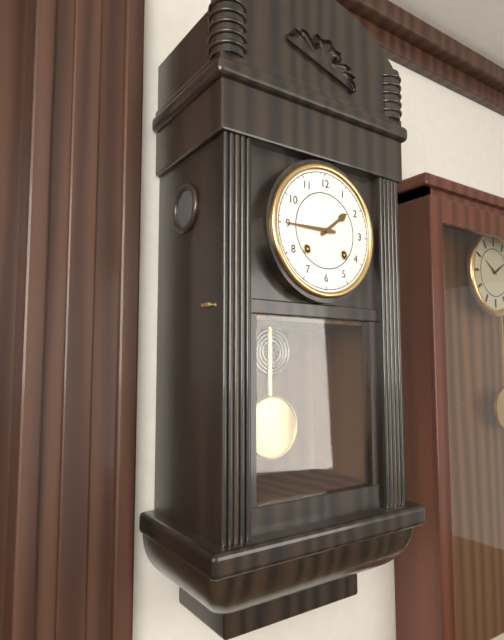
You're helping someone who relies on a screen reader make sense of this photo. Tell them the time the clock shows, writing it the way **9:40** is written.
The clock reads **1:45**
